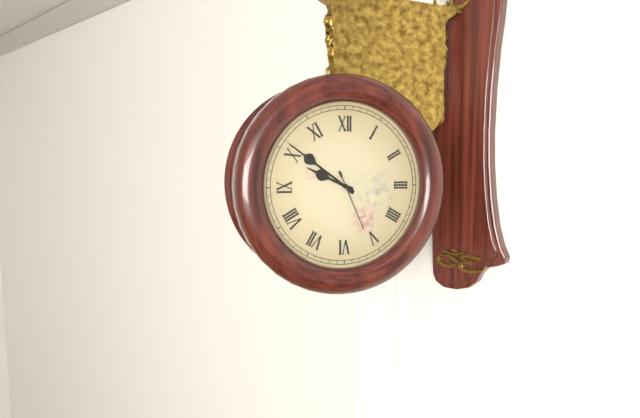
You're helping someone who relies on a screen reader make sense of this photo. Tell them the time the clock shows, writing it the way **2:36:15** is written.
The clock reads **9:51:26**
